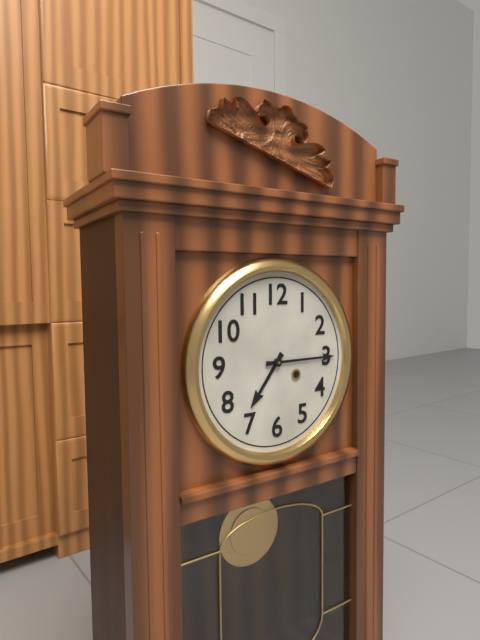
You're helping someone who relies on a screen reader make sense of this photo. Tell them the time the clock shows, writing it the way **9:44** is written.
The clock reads **7:15**
